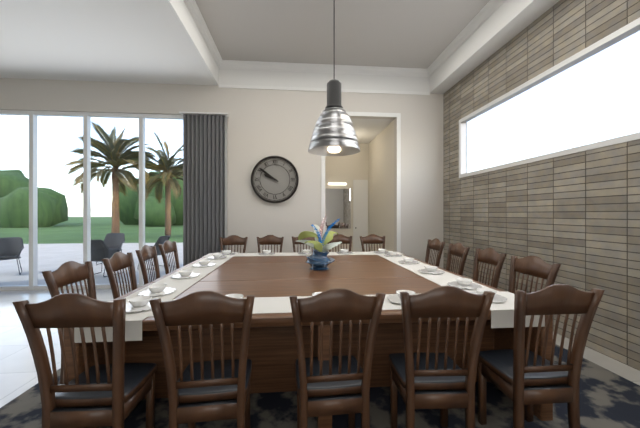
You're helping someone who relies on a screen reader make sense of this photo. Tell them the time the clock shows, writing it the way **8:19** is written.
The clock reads **9:51**
